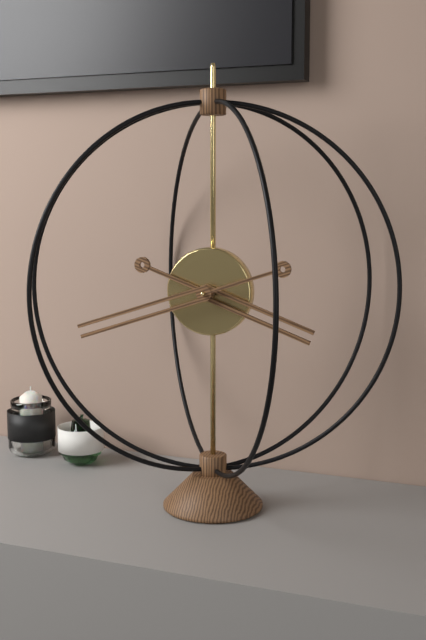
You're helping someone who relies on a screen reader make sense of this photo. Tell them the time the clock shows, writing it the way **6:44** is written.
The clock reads **3:42**
